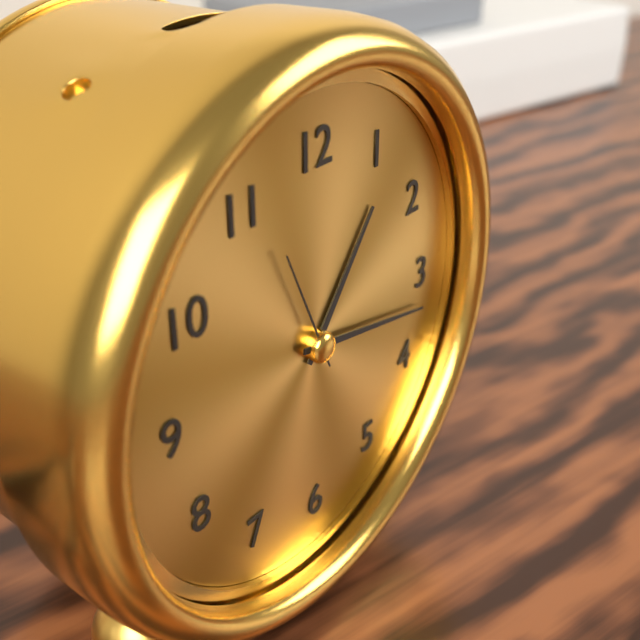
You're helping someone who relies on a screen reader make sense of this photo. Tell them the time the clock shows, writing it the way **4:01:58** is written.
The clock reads **1:17:56**
